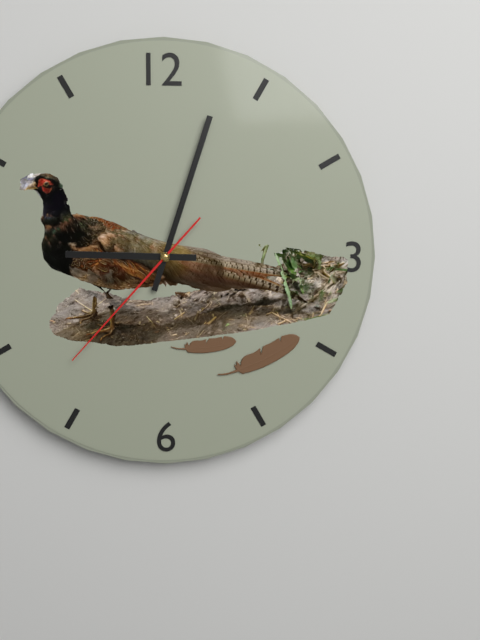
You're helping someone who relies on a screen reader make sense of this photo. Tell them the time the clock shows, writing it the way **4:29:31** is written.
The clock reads **9:03:37**
